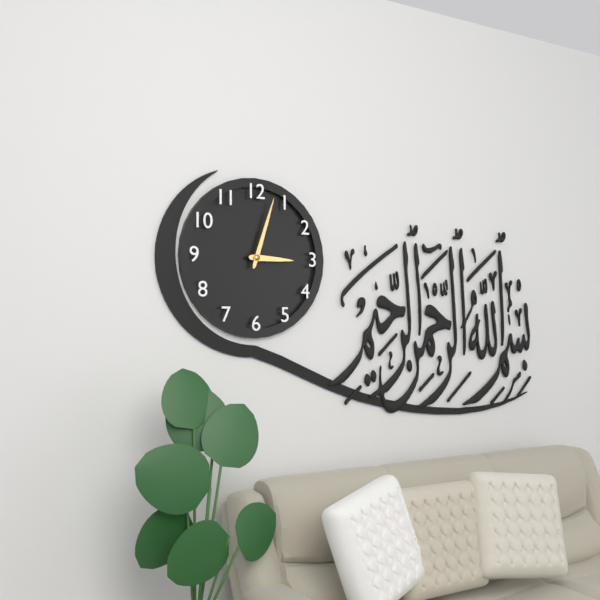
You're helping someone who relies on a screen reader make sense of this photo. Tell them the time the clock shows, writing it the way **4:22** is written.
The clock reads **3:03**
